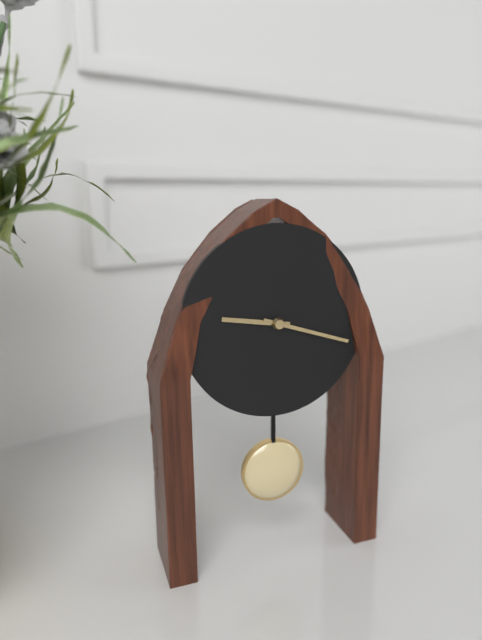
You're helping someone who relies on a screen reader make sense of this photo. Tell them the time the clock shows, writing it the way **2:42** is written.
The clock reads **9:18**
